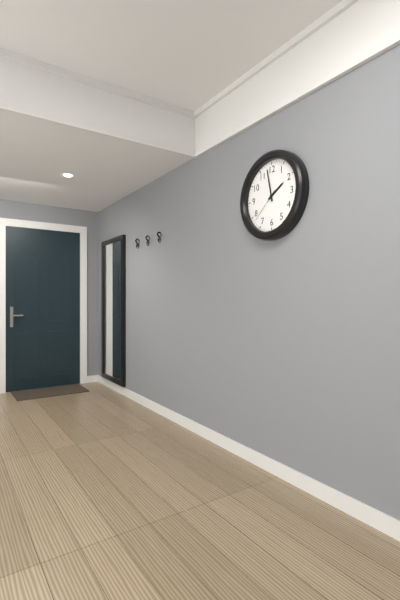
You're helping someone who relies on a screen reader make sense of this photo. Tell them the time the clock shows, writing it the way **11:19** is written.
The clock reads **1:58**
